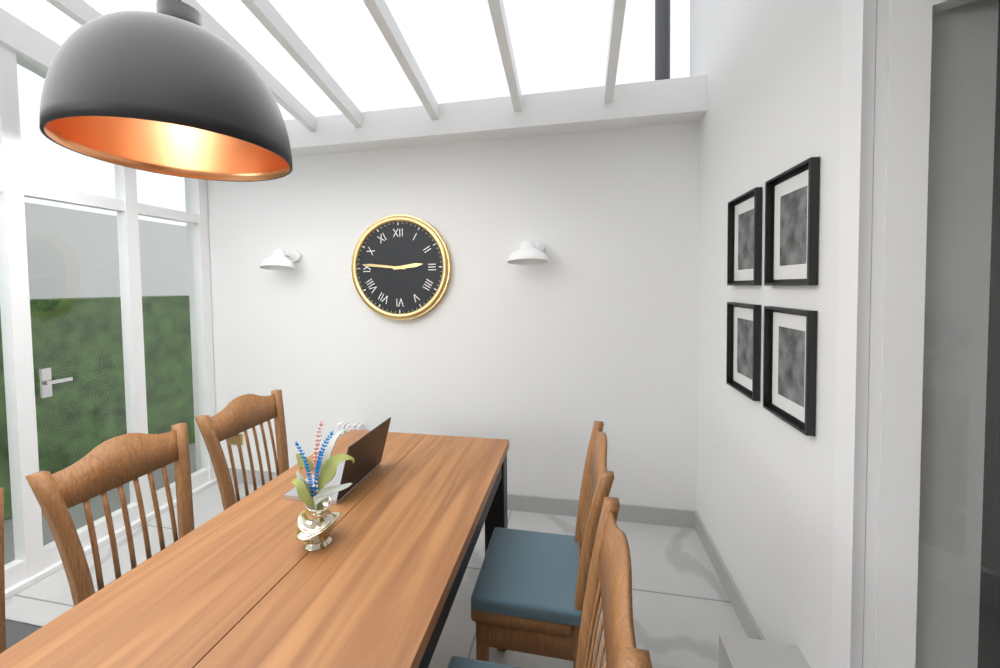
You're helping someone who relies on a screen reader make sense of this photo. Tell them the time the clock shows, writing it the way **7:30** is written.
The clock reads **2:46**
